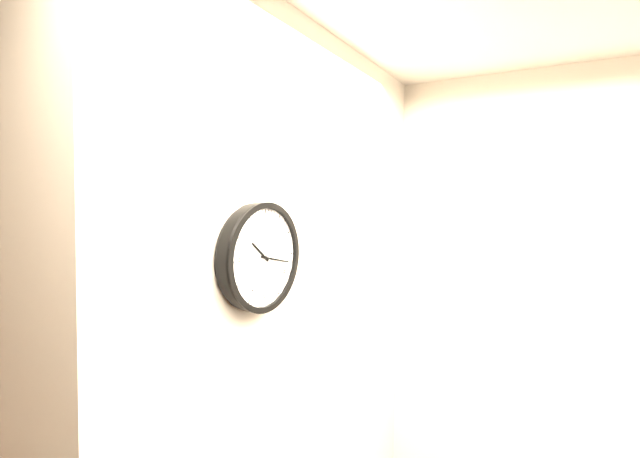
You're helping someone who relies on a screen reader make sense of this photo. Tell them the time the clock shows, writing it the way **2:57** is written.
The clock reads **10:17**
